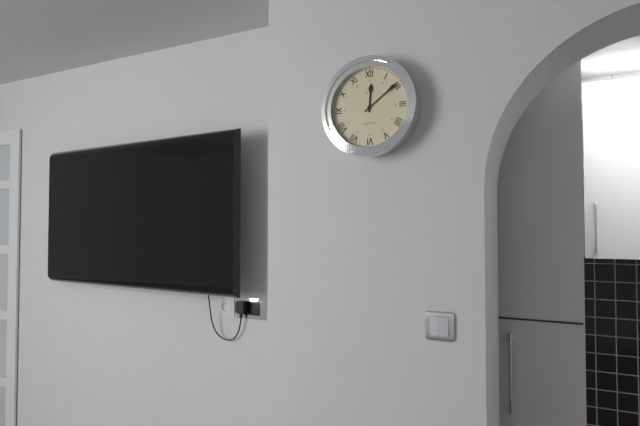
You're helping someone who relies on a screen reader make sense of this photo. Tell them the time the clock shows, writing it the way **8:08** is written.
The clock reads **12:09**
